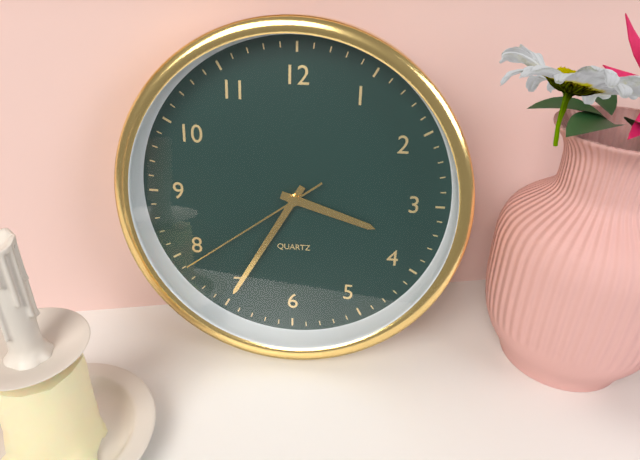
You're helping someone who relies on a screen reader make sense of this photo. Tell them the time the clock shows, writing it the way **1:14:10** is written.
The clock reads **3:35:39**
